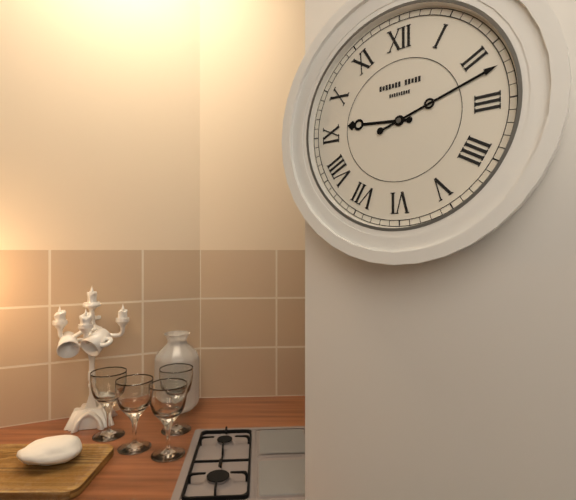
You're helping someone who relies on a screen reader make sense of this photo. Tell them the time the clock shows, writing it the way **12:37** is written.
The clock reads **9:12**
